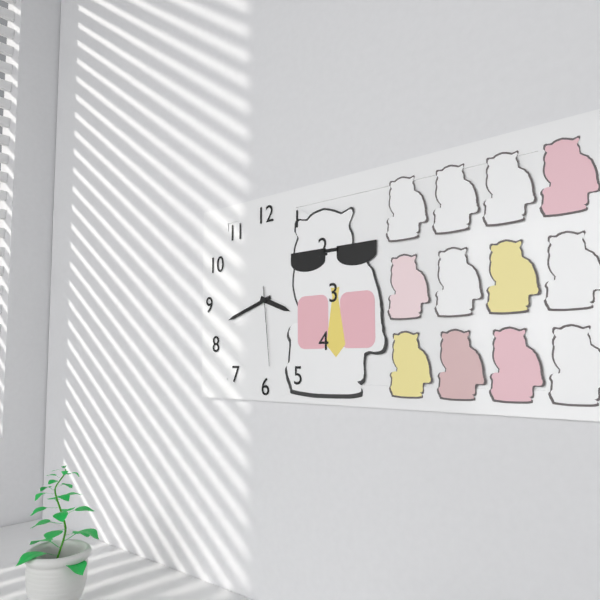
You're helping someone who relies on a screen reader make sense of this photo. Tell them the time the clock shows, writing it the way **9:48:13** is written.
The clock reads **3:42:29**
